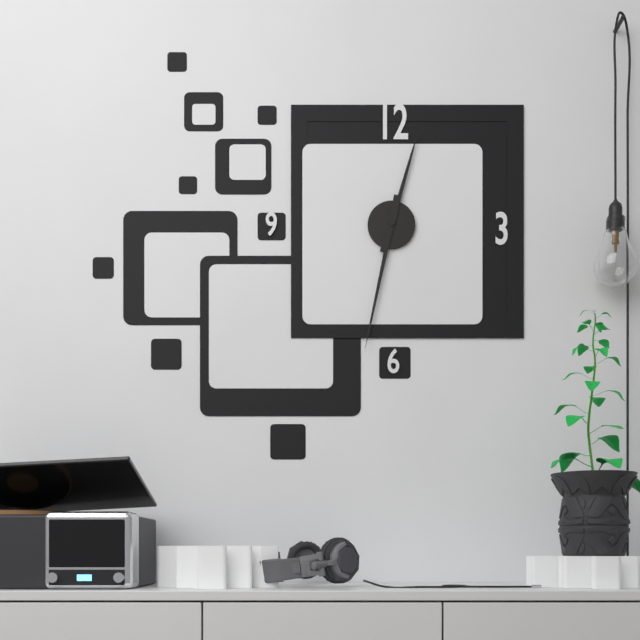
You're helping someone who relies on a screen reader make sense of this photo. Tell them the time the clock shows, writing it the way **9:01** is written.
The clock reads **12:32**
